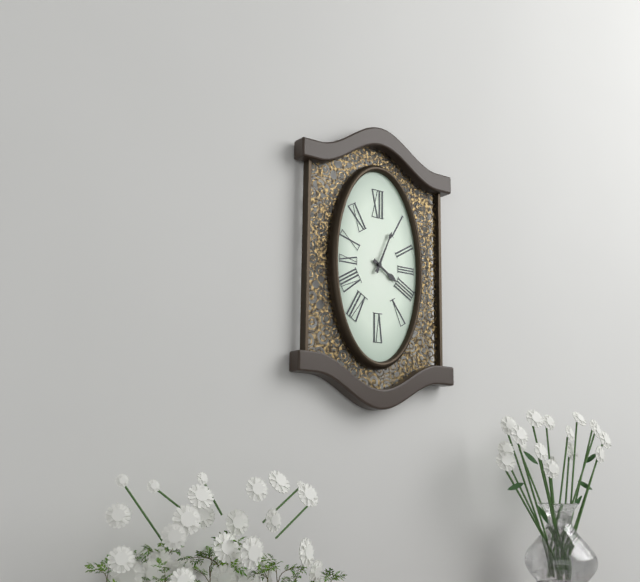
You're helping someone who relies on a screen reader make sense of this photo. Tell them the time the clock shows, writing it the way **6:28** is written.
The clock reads **4:04**
